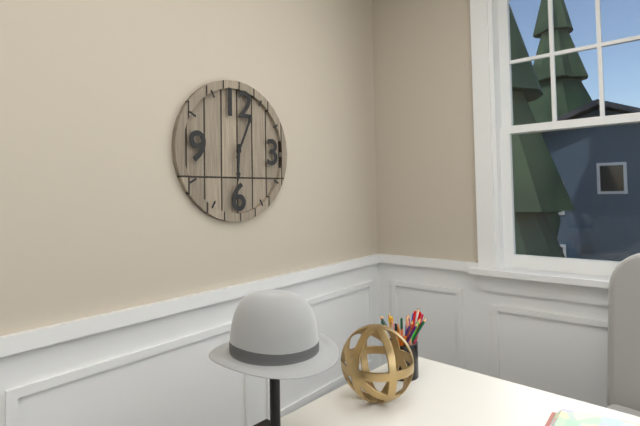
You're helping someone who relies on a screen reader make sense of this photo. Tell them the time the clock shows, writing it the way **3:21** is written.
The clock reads **6:04**
